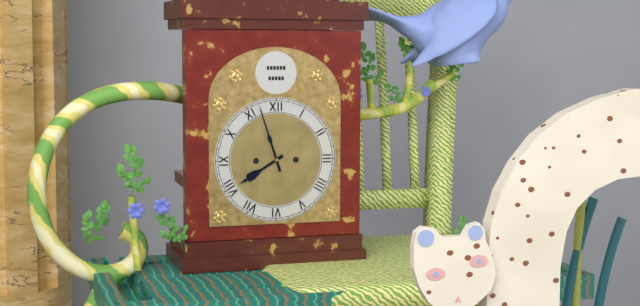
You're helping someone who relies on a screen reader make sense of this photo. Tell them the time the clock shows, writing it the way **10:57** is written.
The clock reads **7:57**
